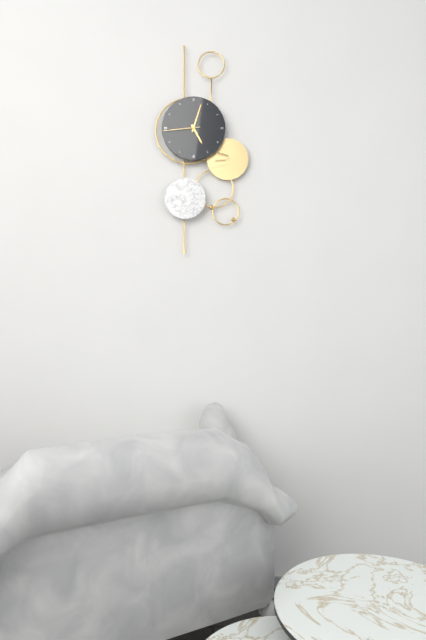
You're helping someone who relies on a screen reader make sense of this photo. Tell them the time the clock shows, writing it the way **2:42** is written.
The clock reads **5:03**
